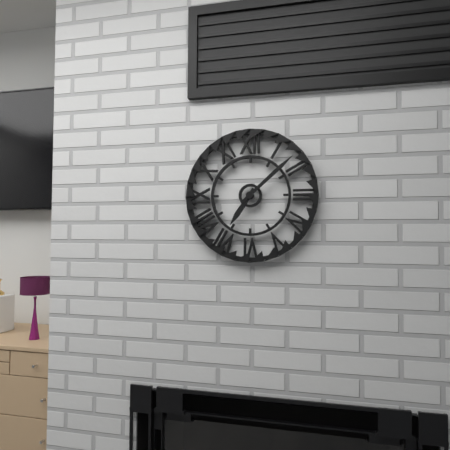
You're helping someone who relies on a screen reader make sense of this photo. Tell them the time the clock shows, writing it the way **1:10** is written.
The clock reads **7:08**
